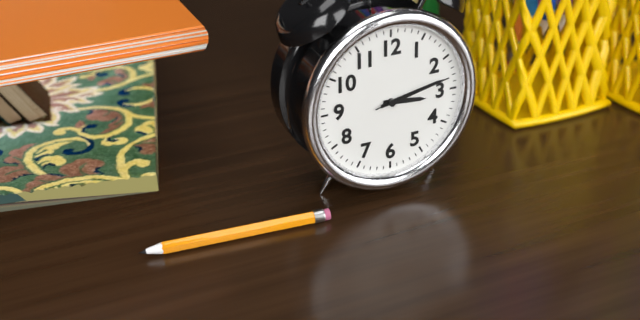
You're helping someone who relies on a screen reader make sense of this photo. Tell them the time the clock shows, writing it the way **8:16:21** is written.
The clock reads **3:13:13**
